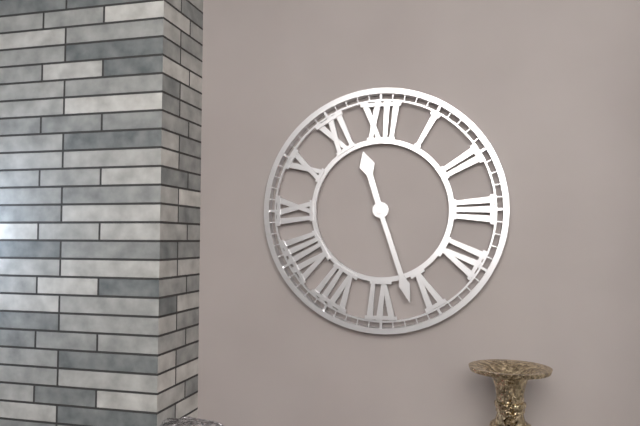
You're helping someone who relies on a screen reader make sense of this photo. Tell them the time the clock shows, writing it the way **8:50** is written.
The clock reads **11:27**
